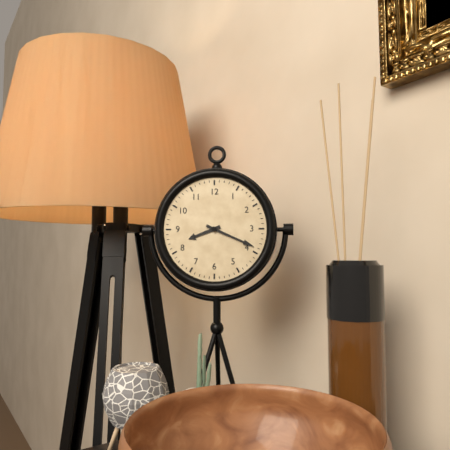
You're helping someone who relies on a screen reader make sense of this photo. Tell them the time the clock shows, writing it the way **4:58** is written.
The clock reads **8:19**
